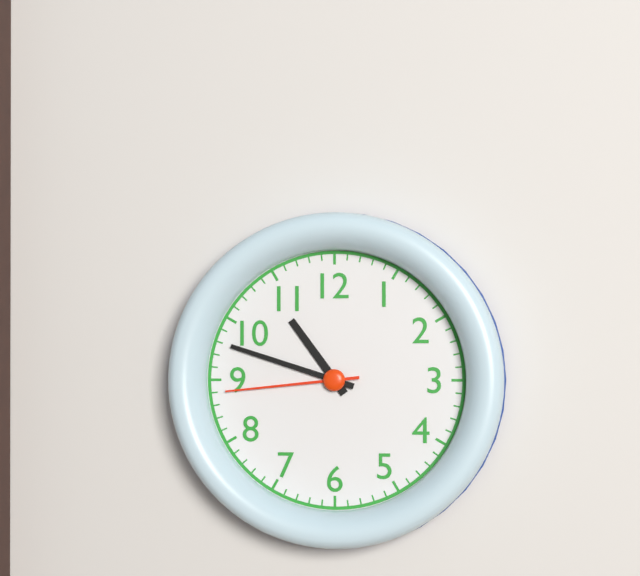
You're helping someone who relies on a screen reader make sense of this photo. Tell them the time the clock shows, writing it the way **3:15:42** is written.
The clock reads **10:48:44**
